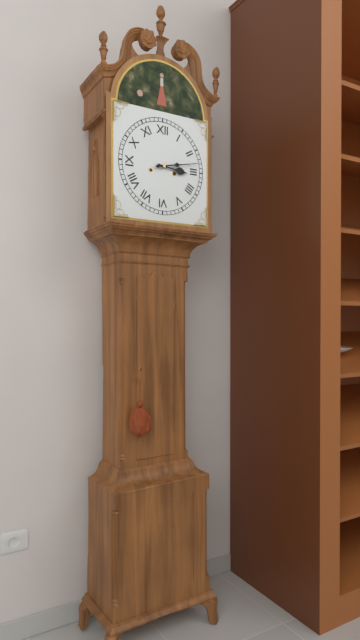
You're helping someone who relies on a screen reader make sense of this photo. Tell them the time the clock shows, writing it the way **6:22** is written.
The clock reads **3:13**
